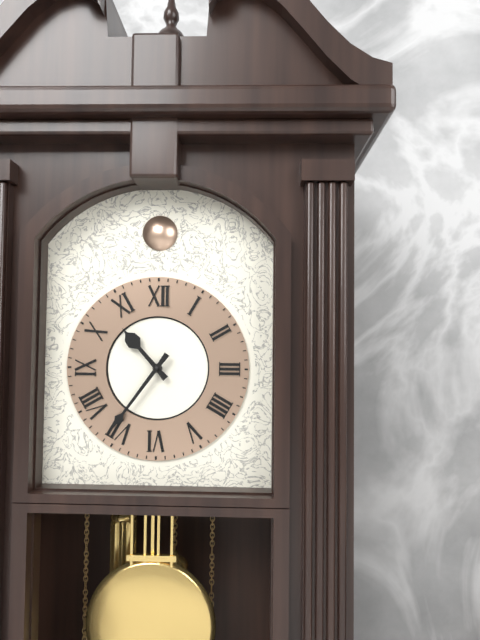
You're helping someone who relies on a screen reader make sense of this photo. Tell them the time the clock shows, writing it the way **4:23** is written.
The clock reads **10:36**
